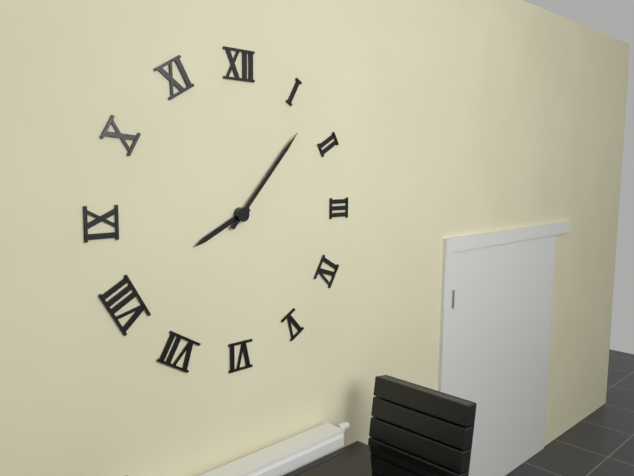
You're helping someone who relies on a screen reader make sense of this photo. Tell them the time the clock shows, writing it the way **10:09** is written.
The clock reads **8:07**
